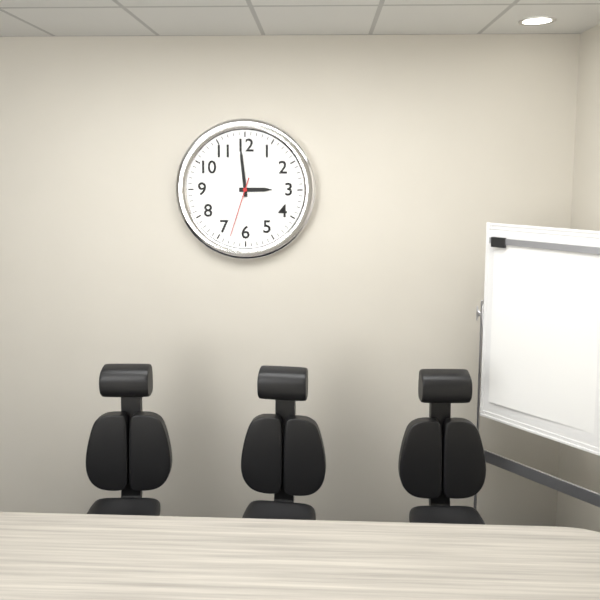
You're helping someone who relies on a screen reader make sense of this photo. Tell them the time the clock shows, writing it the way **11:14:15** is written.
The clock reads **2:59:33**
